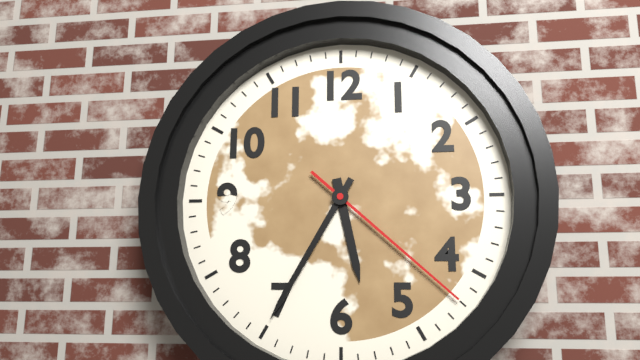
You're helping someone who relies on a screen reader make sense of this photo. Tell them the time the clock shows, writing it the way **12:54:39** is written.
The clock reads **5:35:22**
